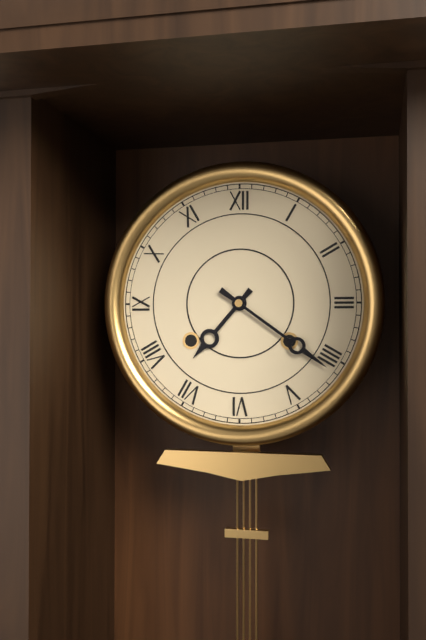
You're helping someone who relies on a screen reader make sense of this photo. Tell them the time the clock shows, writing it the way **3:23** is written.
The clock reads **7:21**
